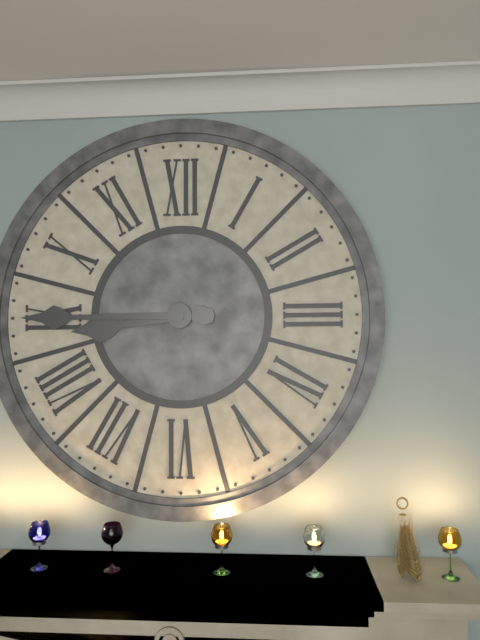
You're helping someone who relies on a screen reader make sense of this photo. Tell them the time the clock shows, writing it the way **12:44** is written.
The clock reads **8:45**
